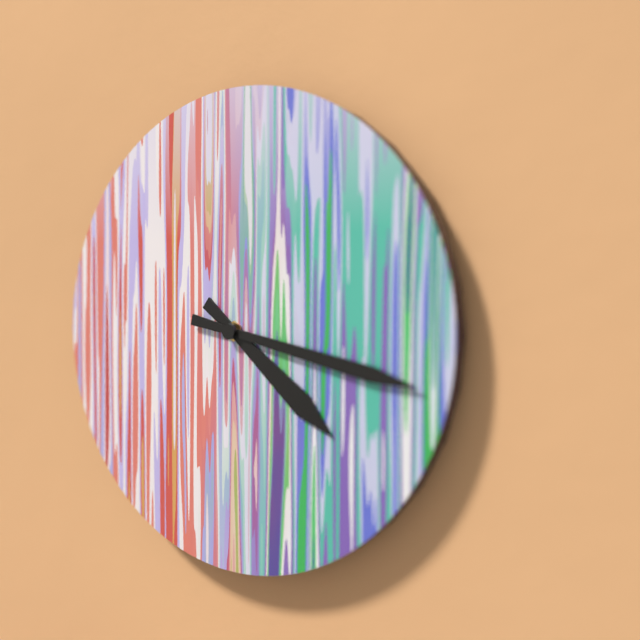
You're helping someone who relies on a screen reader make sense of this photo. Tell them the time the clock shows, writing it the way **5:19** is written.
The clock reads **4:17**
